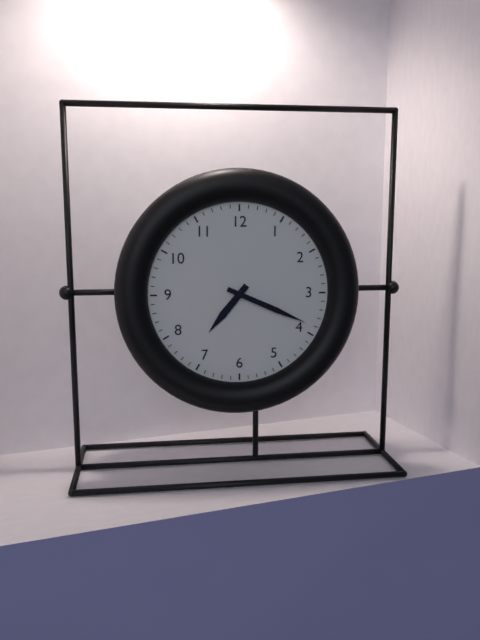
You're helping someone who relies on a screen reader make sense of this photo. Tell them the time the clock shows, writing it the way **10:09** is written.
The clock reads **7:19**
